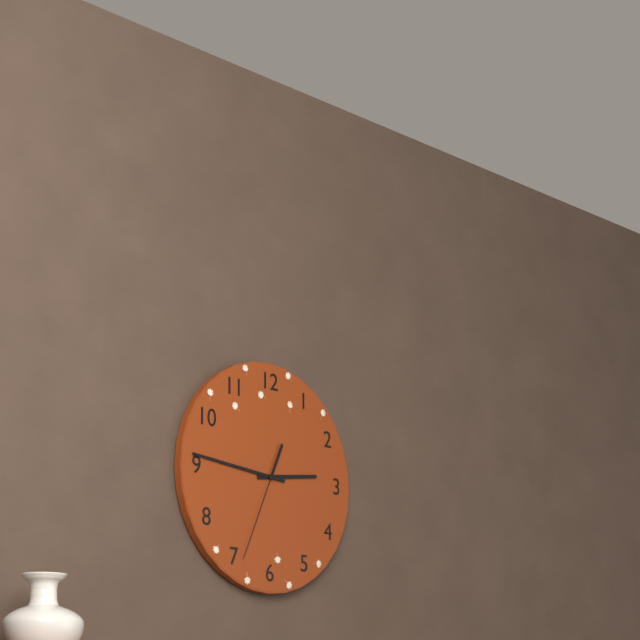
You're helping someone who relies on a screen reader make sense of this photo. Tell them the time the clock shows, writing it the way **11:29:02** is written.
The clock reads **2:46:34**
